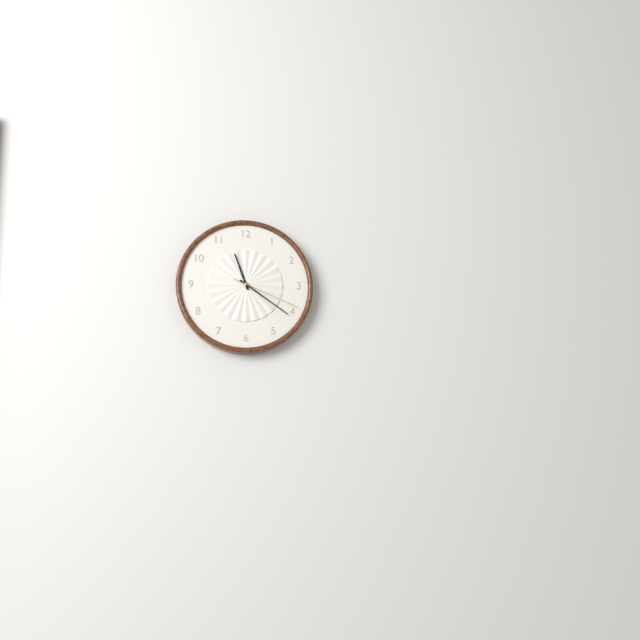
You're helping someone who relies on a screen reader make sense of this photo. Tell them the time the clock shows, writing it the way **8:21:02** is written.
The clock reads **11:21:19**
